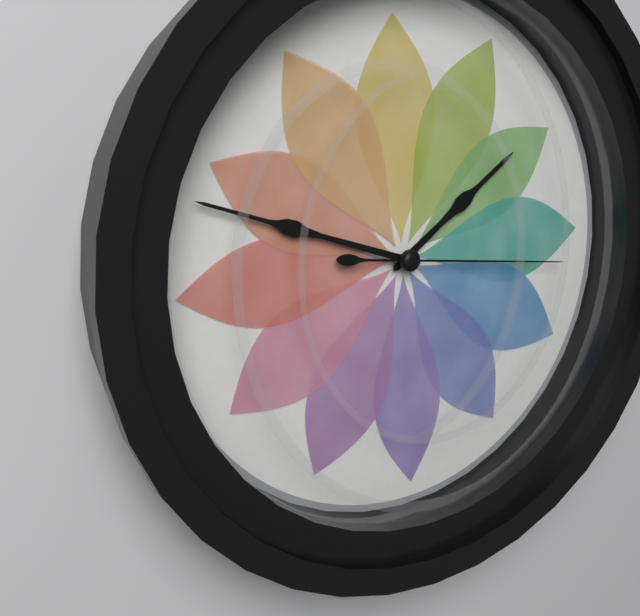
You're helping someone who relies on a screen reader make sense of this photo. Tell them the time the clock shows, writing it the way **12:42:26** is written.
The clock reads **1:48:16**
